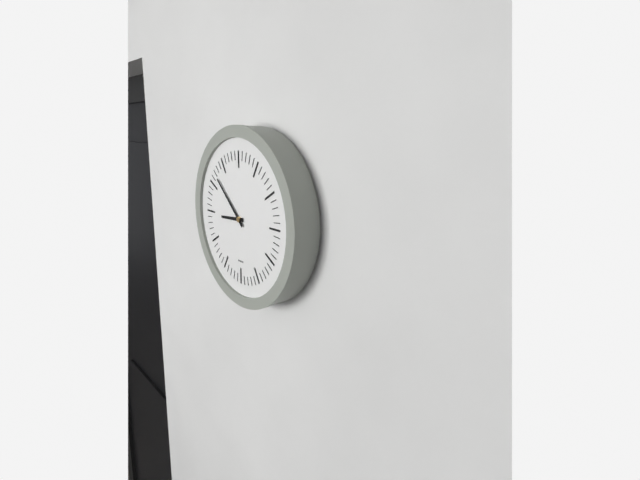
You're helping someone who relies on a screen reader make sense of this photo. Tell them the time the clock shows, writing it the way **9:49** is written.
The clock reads **8:52**
